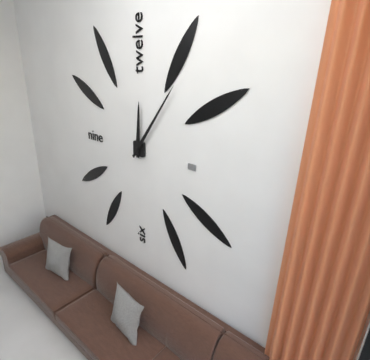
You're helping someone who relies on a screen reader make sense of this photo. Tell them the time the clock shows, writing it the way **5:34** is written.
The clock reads **12:06**
